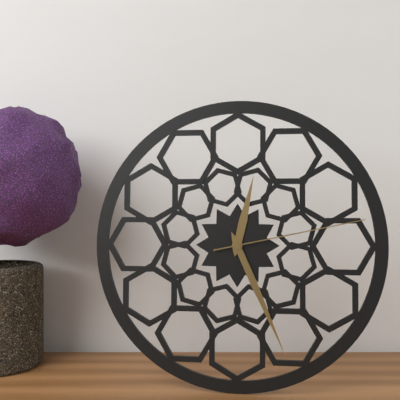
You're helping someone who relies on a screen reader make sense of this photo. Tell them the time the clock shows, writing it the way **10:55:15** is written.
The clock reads **12:26:13**
